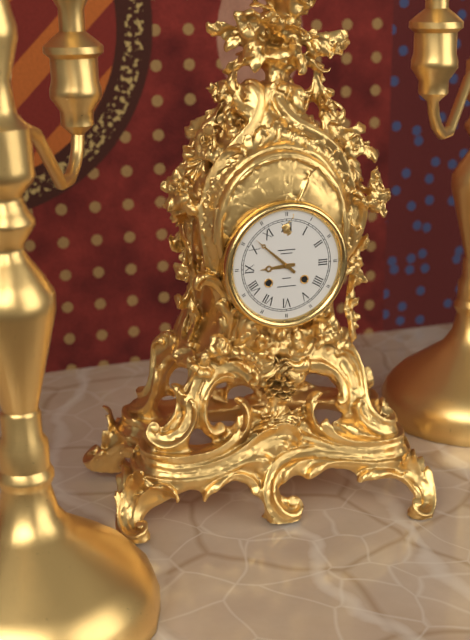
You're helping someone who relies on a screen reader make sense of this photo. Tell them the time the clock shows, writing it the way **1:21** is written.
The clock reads **8:52**
